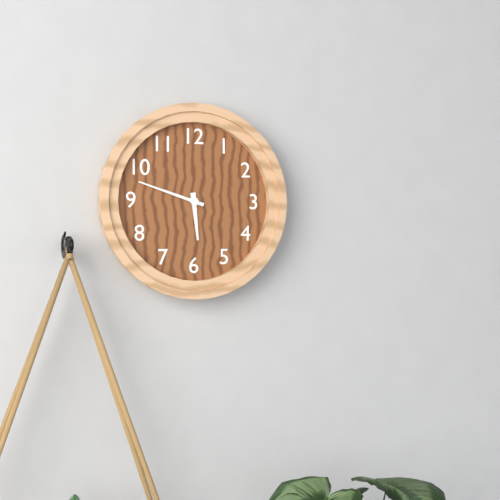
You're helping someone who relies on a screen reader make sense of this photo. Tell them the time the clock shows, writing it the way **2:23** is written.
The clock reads **5:48**
